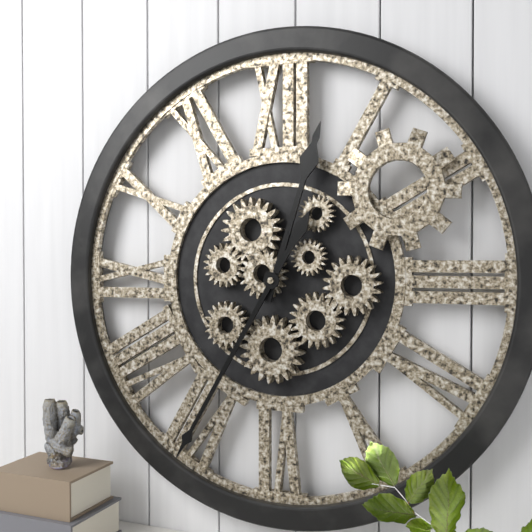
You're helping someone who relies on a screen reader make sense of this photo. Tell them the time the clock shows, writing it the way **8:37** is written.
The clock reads **12:35**
